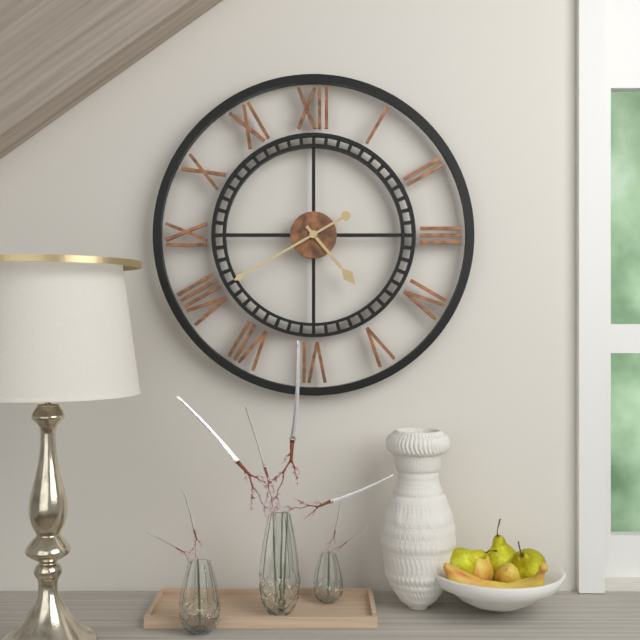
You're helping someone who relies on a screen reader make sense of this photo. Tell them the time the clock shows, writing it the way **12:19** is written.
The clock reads **4:40**
